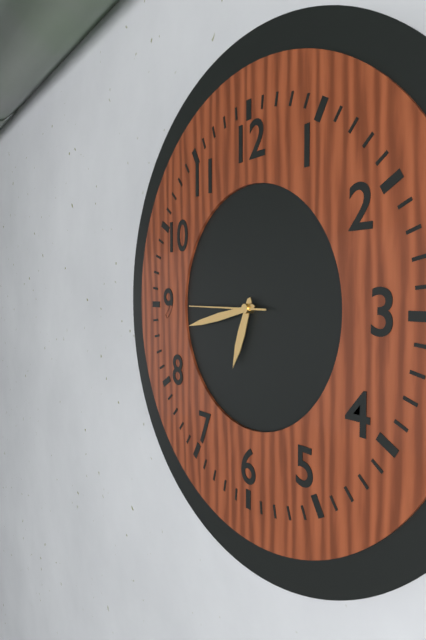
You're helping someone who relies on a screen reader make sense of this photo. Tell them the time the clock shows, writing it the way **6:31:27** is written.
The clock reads **6:43:45**
